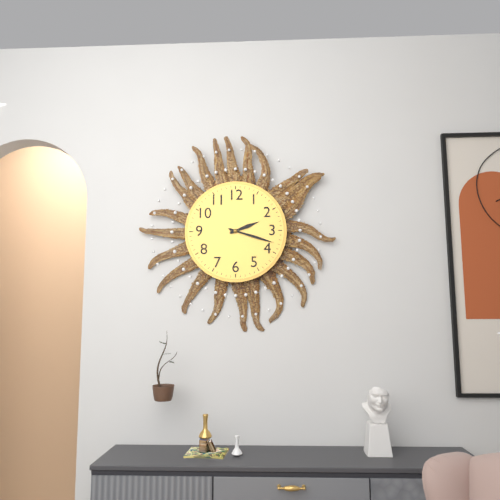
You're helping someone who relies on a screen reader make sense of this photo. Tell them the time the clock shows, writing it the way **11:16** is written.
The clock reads **2:18**
